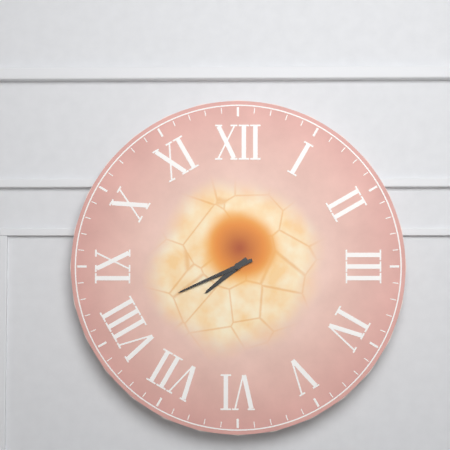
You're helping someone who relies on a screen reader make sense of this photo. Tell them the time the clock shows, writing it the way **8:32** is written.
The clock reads **7:41**
